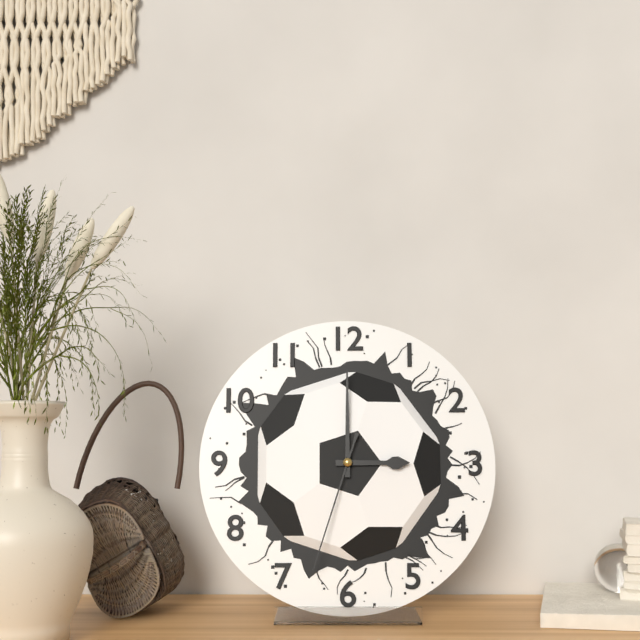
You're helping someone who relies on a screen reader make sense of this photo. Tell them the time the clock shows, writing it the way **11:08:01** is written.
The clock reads **3:00:33**
